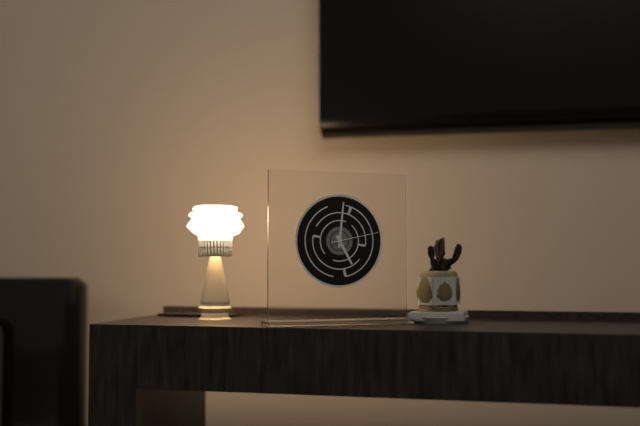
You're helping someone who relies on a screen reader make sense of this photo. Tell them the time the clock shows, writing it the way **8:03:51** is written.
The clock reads **5:01:13**
